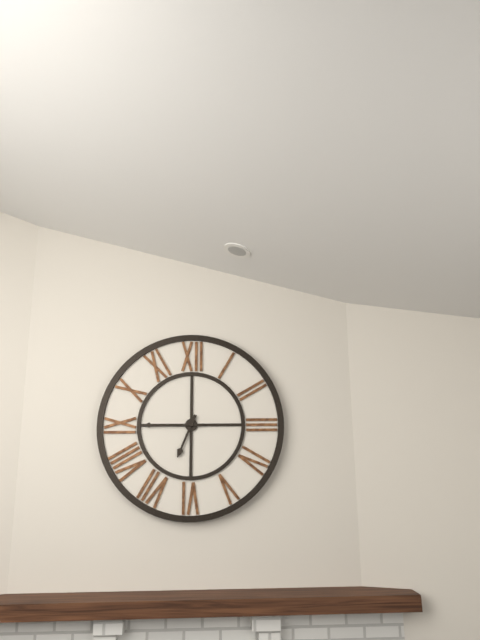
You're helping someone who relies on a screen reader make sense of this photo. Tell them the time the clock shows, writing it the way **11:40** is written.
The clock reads **6:45**
